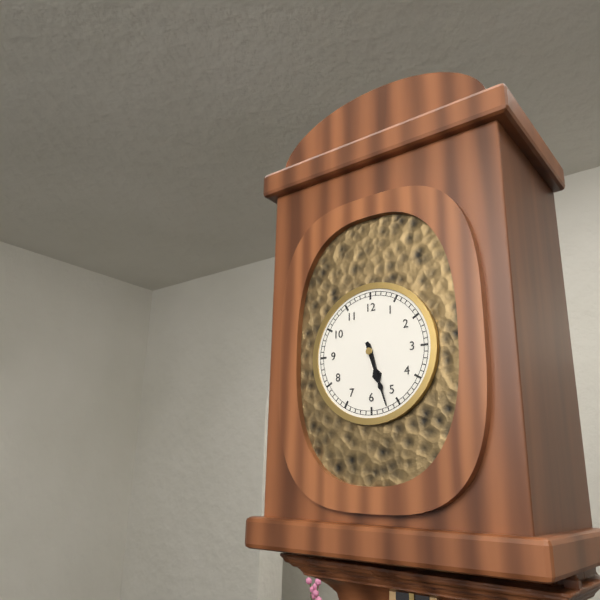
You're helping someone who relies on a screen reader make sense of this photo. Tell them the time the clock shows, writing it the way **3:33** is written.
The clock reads **5:27**
